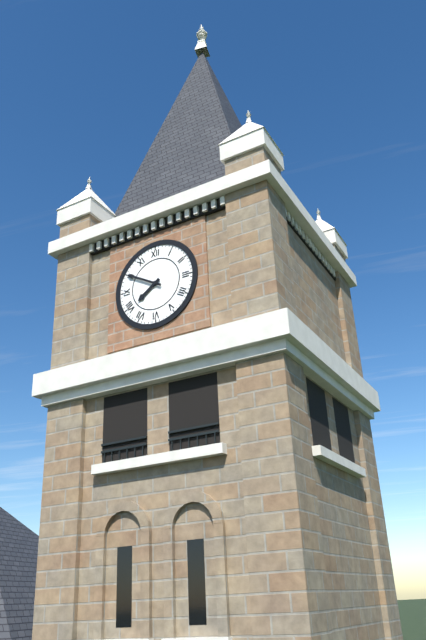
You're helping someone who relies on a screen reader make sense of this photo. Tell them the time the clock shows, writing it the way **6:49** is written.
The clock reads **7:50**
